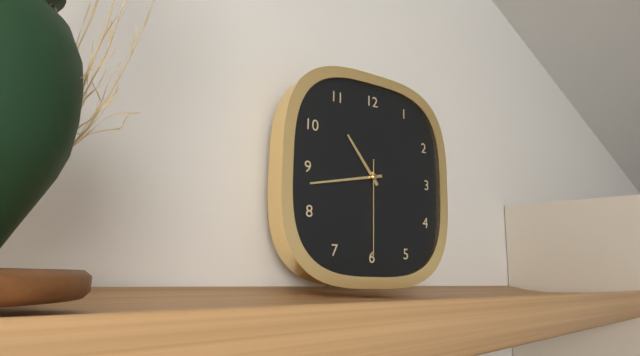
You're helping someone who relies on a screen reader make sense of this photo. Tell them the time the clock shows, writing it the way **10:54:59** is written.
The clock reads **10:43:30**
